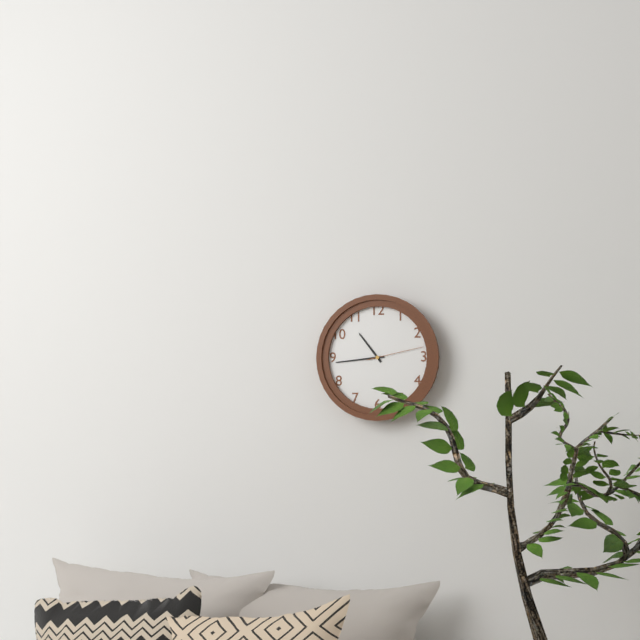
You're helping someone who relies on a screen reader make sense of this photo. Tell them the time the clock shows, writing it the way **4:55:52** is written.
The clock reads **10:44:13**
